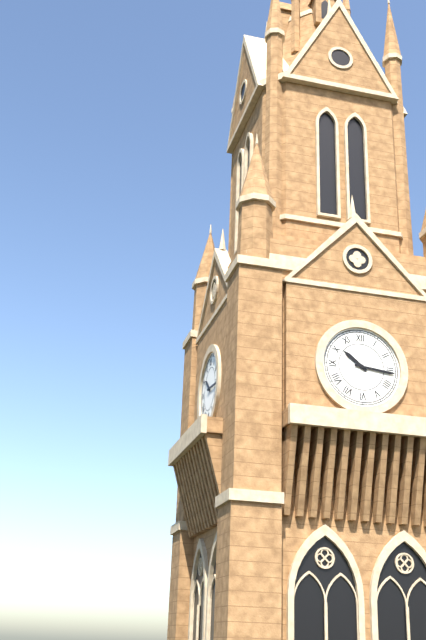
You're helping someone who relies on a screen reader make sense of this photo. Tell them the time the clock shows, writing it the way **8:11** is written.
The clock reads **10:16**
